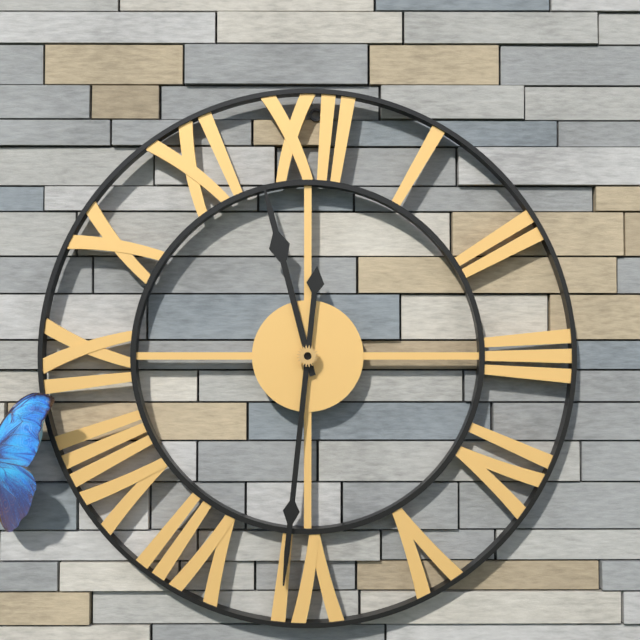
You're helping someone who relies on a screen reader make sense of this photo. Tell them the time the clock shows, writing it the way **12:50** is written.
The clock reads **11:31**
